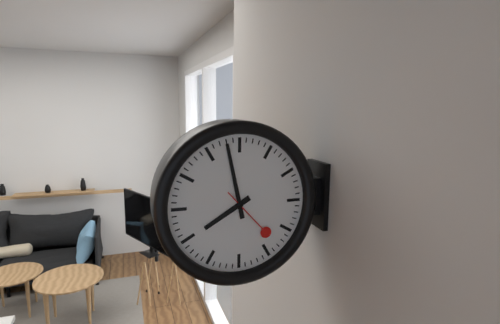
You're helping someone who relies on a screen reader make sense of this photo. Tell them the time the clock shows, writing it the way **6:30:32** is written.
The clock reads **7:58:23**
